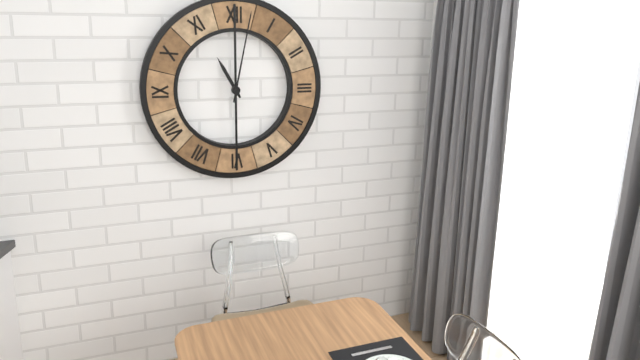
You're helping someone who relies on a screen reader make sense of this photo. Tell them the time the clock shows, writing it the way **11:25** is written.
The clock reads **11:02**
